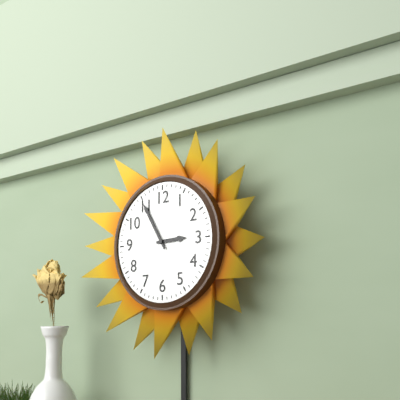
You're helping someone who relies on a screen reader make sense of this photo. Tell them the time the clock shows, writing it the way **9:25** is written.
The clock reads **2:55**
